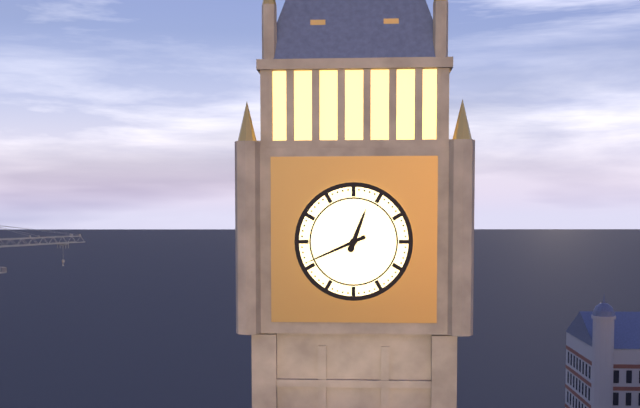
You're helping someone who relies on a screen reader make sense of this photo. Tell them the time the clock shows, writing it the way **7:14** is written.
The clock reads **12:41**
